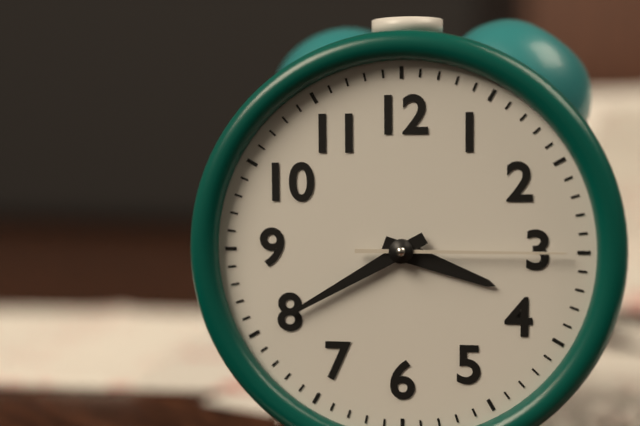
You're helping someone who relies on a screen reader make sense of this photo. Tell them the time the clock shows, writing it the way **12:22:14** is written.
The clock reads **3:40:15**
